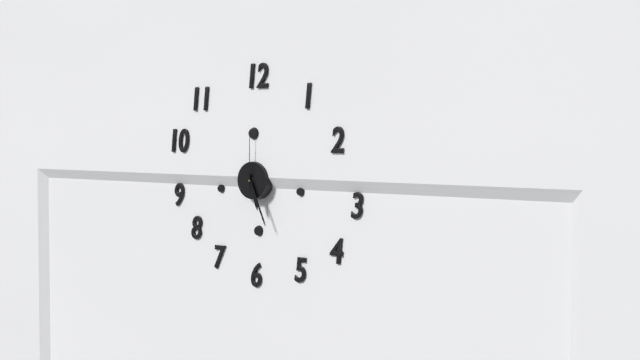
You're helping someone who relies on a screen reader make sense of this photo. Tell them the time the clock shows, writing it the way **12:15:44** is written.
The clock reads **5:26:00**
